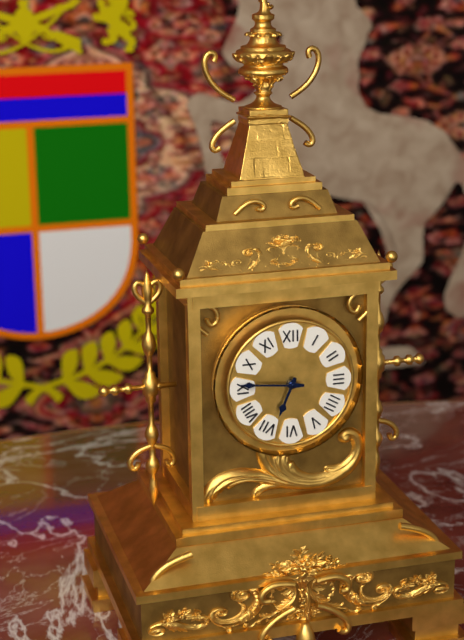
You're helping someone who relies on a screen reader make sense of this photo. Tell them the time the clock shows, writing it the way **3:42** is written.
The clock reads **6:46**
